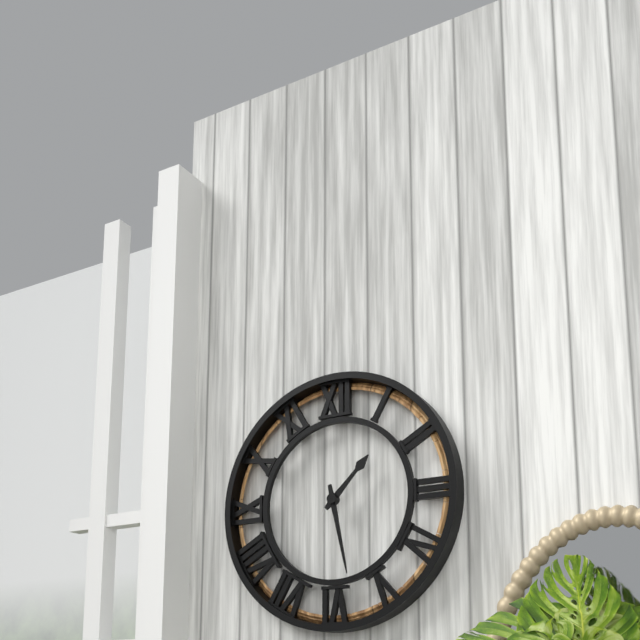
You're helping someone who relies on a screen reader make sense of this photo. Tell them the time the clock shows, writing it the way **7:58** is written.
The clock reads **1:28**
